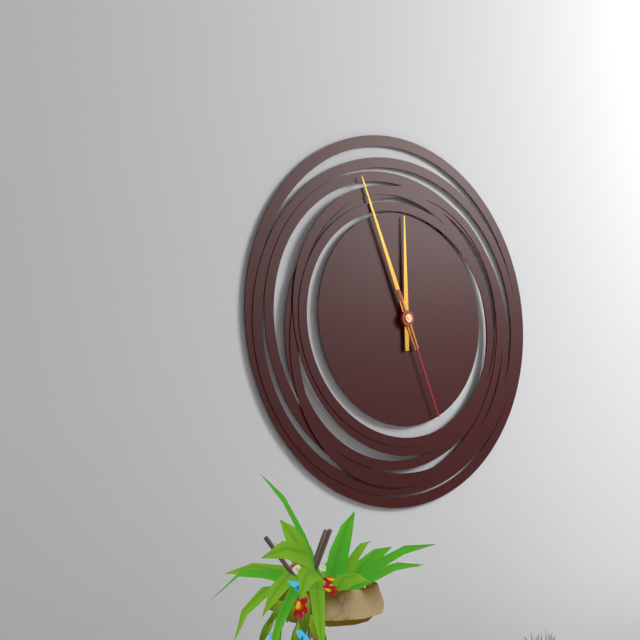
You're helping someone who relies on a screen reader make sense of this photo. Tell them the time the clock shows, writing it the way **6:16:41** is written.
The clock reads **11:56:26**
